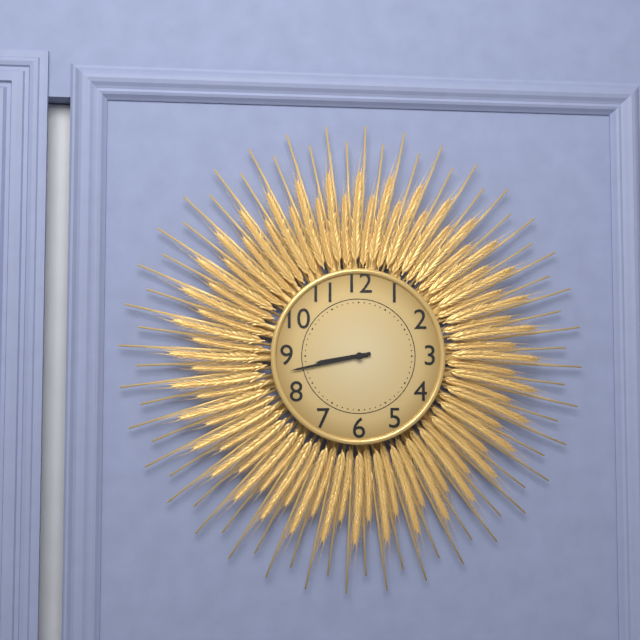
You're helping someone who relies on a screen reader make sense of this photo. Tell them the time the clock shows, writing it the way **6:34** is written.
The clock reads **8:43**
